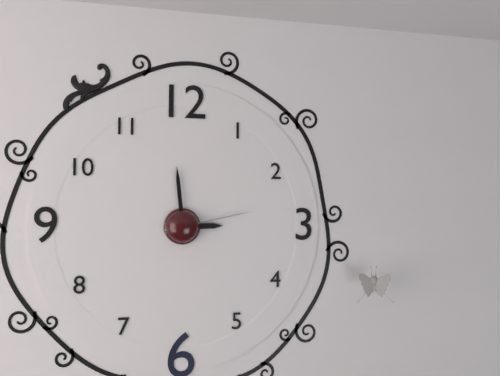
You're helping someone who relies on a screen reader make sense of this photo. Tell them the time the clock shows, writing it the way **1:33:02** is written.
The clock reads **2:59:13**
